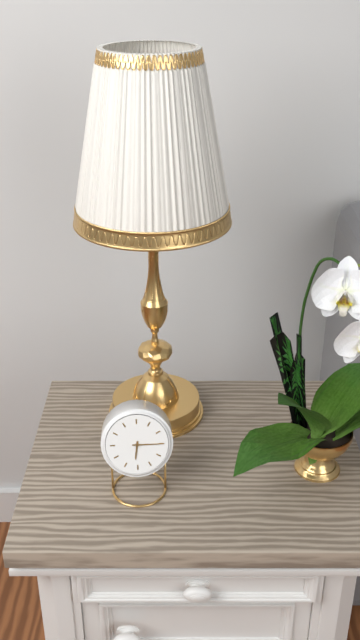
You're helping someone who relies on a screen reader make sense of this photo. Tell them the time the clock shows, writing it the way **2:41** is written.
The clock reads **6:15**
